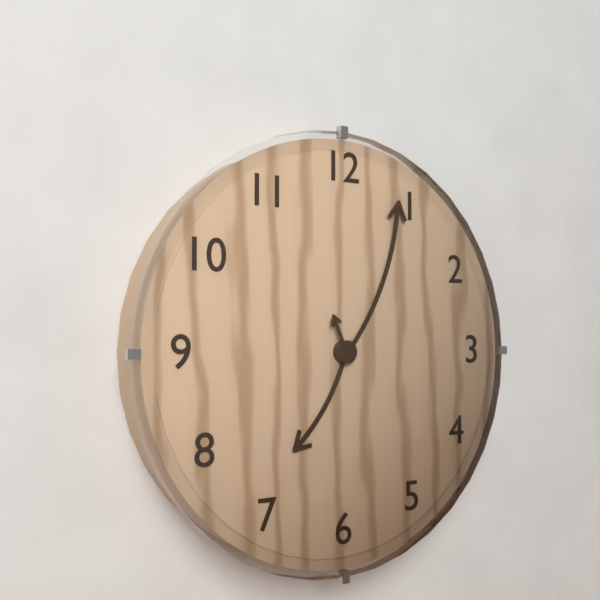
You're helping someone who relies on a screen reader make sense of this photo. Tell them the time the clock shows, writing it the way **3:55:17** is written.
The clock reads **7:04:56**
